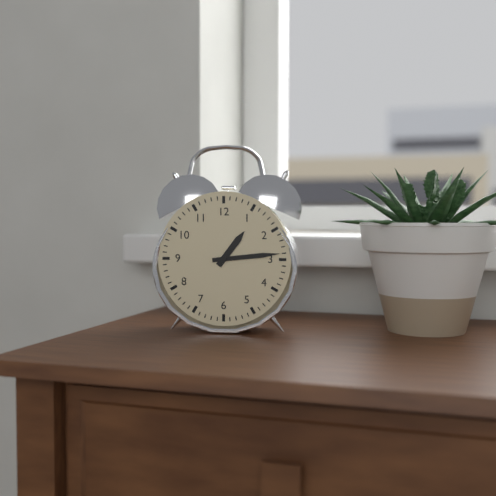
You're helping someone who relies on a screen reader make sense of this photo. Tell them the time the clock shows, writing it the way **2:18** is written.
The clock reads **1:14**
